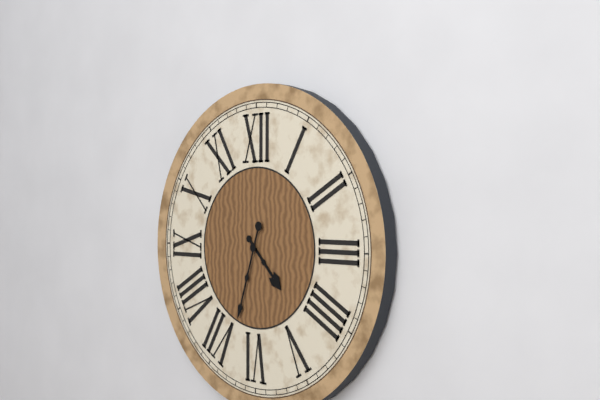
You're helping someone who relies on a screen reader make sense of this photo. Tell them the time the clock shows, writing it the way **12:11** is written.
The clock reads **4:33**
